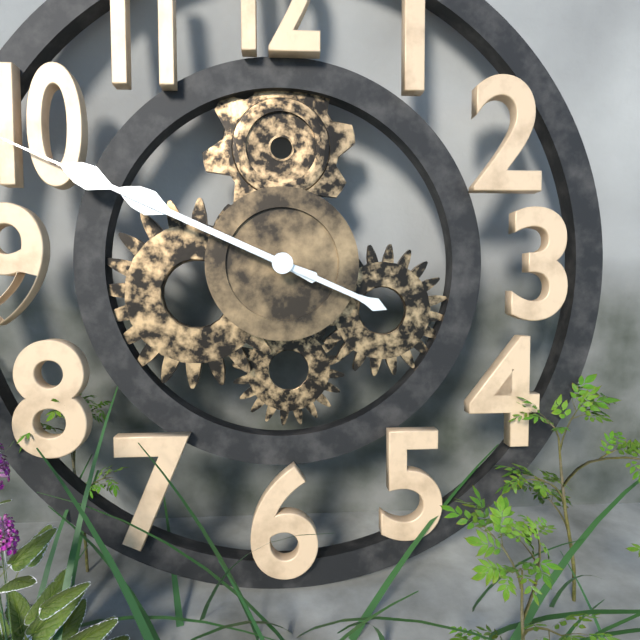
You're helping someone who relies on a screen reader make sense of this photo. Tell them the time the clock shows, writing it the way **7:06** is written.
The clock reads **9:49**
